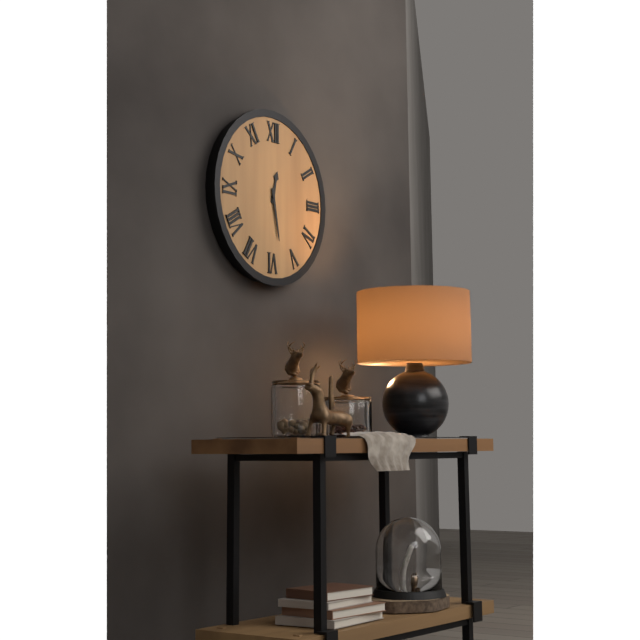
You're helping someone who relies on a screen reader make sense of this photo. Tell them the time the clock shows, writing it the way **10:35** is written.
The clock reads **12:28**
